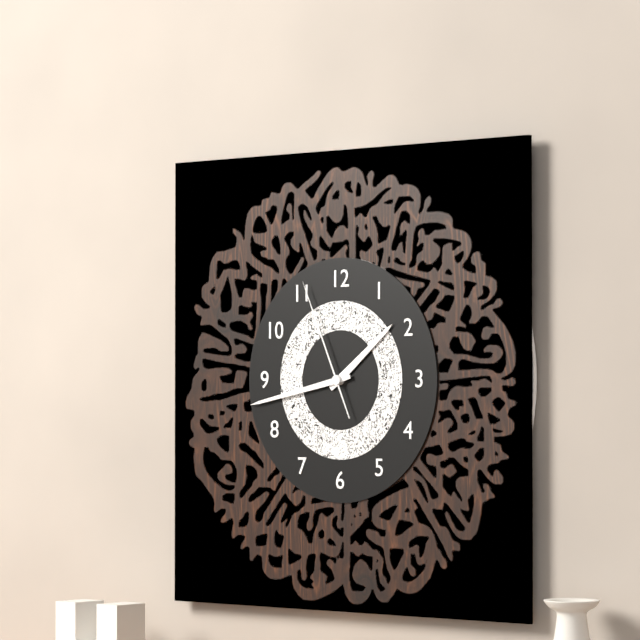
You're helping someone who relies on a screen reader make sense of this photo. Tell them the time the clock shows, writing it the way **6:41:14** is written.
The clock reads **1:43:56**
